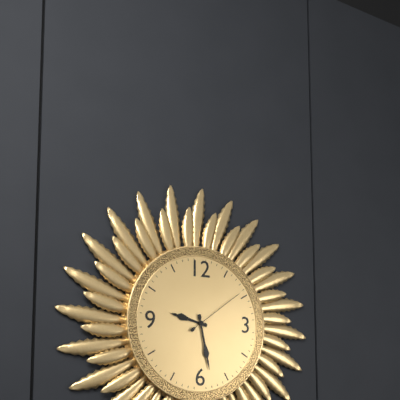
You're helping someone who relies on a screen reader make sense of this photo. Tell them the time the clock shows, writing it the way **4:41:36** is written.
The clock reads **9:28:09**
